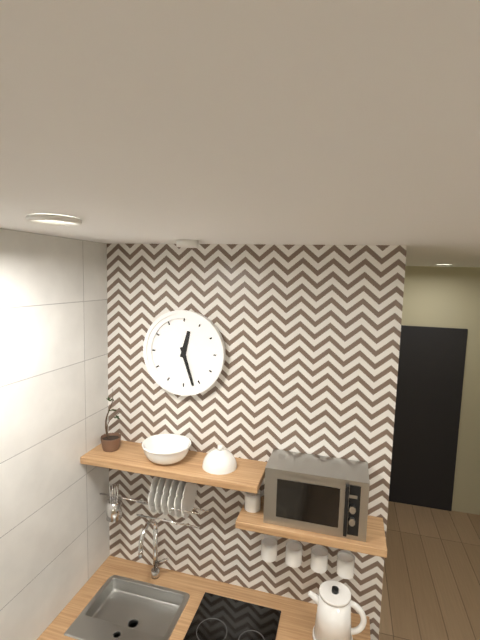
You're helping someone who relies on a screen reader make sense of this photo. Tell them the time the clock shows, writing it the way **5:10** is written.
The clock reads **12:27**
